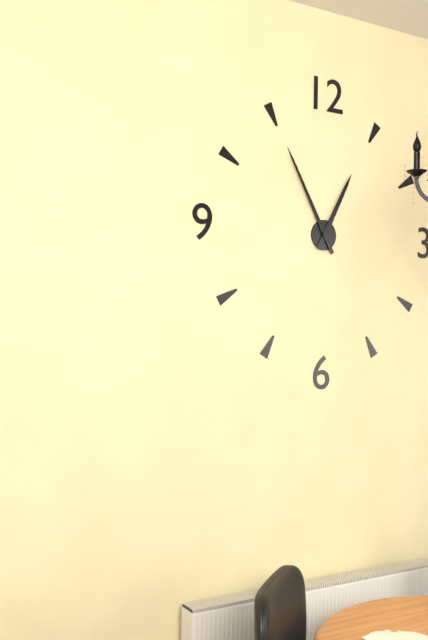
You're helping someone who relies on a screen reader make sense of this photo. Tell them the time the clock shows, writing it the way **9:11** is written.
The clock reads **12:55**
